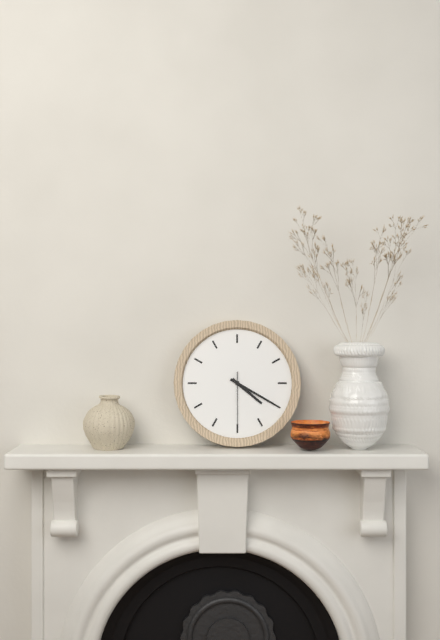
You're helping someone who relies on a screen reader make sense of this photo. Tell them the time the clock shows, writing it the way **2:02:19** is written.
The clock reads **4:20:30**
